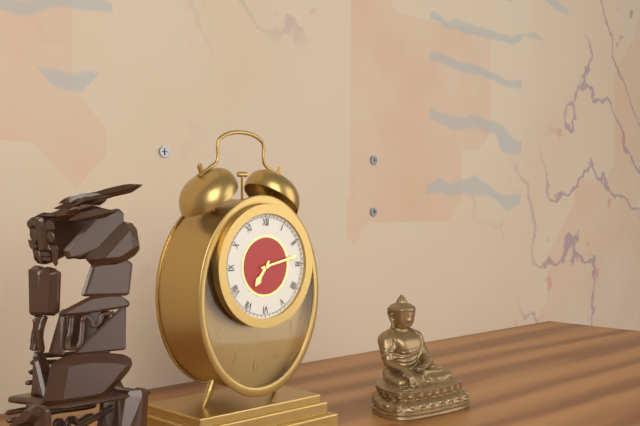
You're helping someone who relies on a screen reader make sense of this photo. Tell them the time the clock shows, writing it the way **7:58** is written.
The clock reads **7:13**
